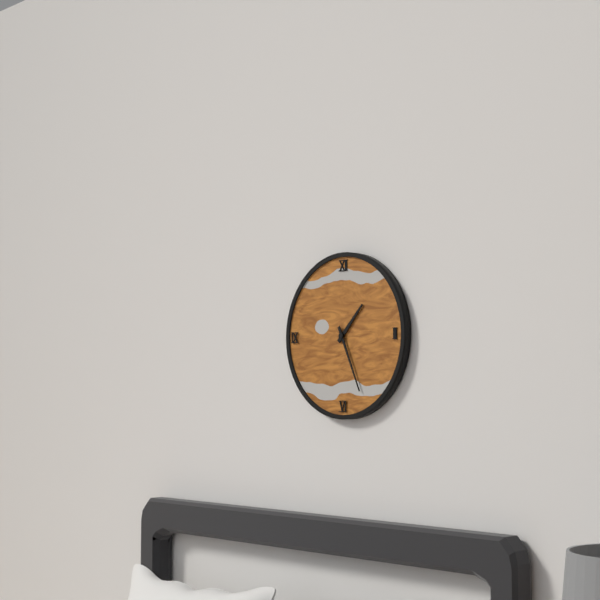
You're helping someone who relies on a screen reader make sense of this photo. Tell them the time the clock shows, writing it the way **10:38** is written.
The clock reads **1:26**
